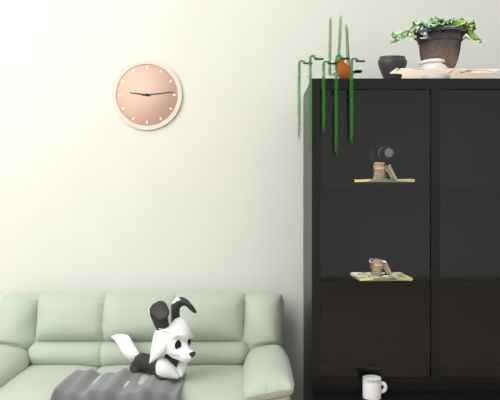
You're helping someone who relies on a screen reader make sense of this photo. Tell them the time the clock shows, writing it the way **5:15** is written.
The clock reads **9:14**
